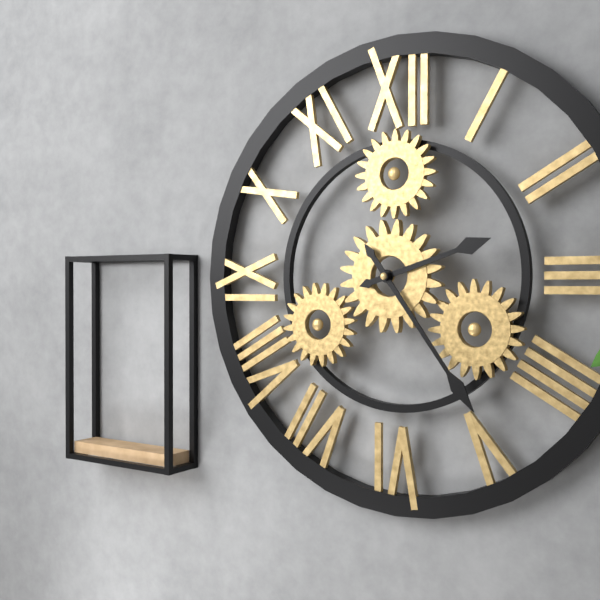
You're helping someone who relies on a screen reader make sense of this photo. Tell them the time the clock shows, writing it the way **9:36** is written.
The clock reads **2:24**
